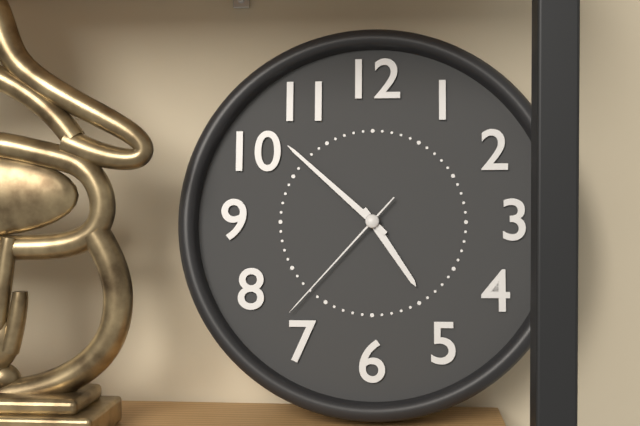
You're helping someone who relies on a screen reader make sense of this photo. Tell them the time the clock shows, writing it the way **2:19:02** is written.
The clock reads **4:52:37**
